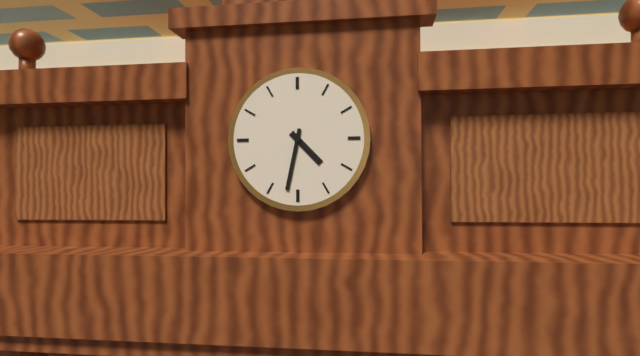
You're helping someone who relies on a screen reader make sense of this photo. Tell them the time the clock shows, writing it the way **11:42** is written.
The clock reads **4:32**
